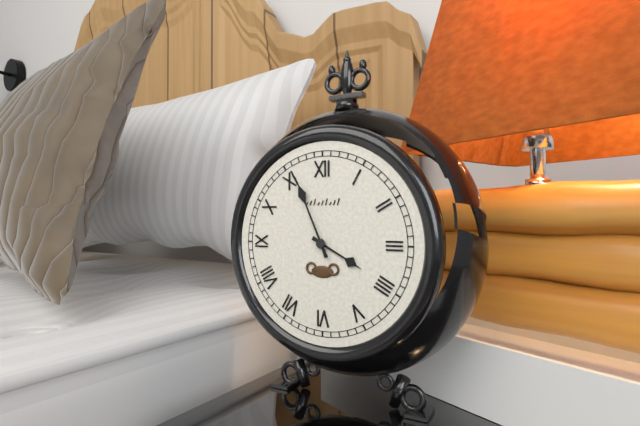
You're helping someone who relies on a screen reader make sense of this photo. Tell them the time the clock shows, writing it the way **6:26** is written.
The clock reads **3:56**
